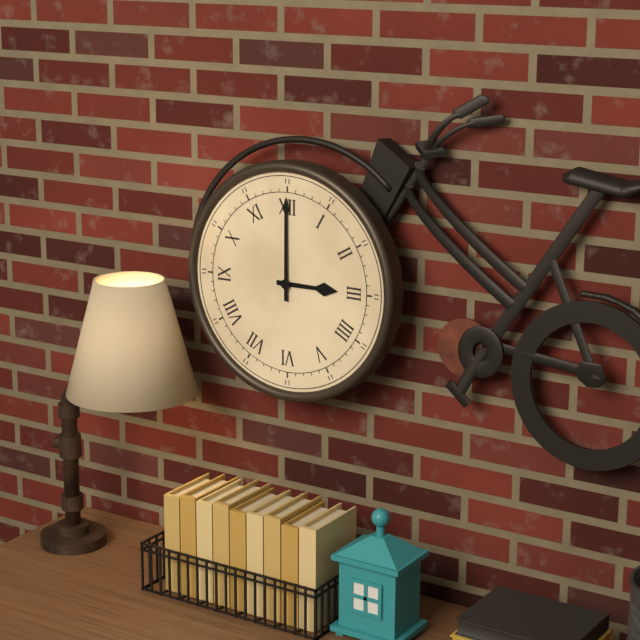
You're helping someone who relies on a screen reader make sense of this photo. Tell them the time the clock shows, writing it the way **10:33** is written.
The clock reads **3:00**
